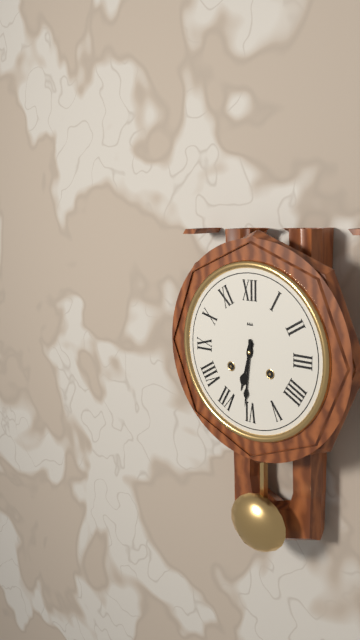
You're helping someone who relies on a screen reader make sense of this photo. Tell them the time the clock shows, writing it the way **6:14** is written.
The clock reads **6:31**
